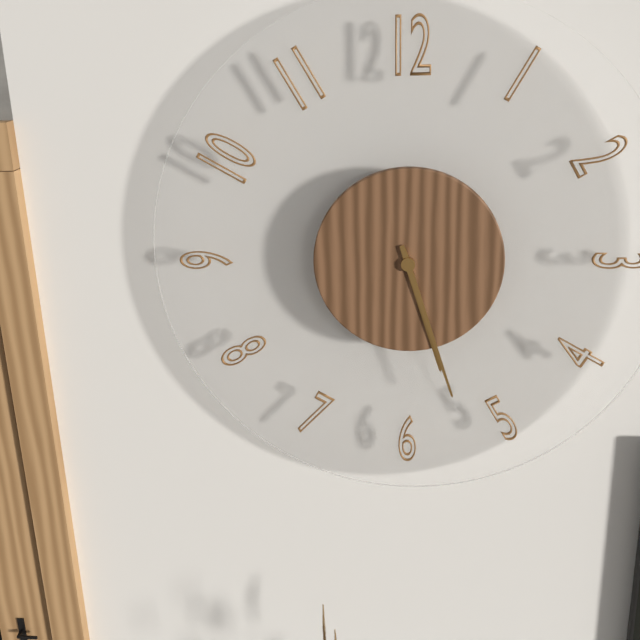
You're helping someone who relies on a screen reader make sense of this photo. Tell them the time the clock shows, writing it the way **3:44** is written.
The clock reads **5:27**
